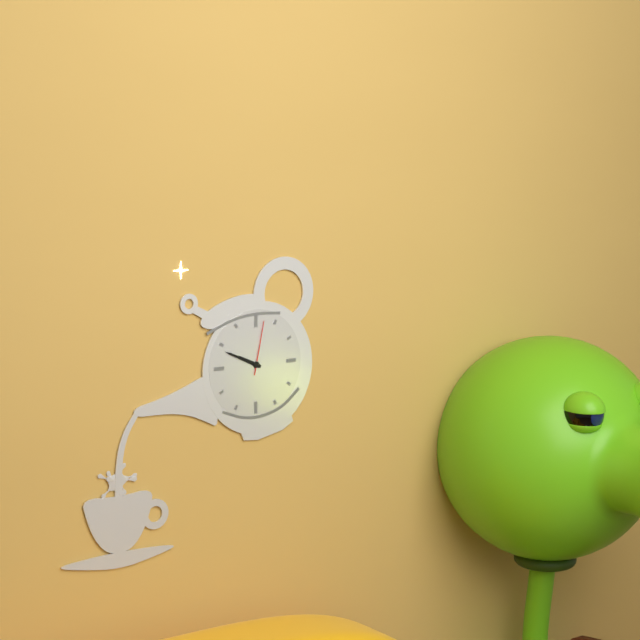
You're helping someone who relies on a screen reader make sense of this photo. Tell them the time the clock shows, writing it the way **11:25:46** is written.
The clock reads **9:49:02**
